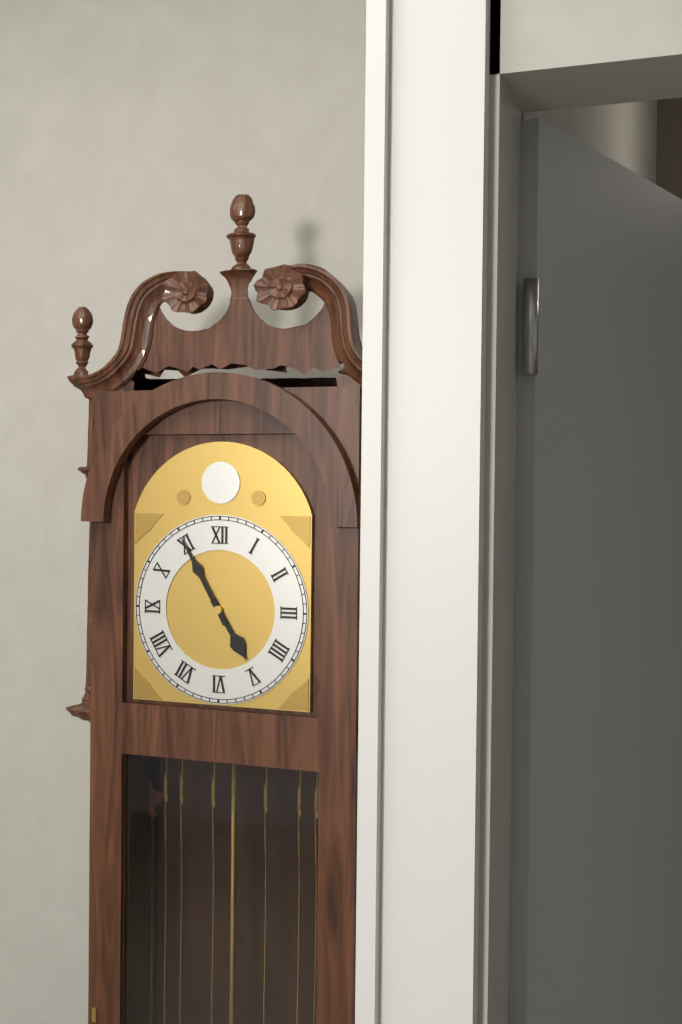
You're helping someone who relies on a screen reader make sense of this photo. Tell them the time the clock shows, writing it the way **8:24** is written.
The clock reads **4:55**
